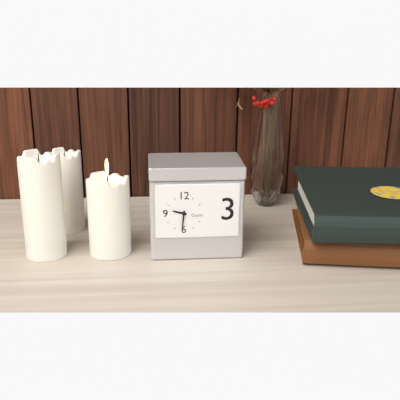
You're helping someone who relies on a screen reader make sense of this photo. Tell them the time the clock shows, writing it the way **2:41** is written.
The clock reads **9:31**
